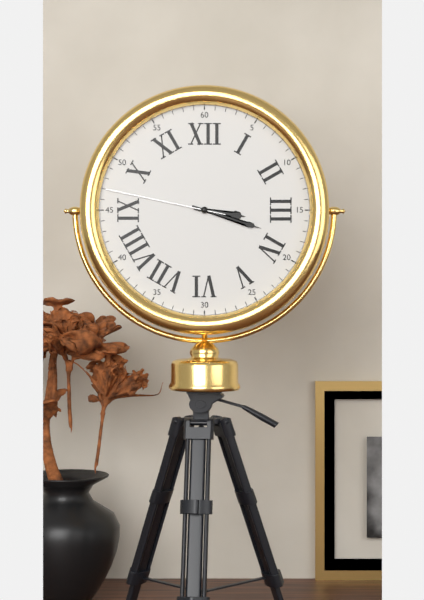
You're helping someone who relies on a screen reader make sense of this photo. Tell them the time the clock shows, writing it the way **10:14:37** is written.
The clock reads **3:18:47**
